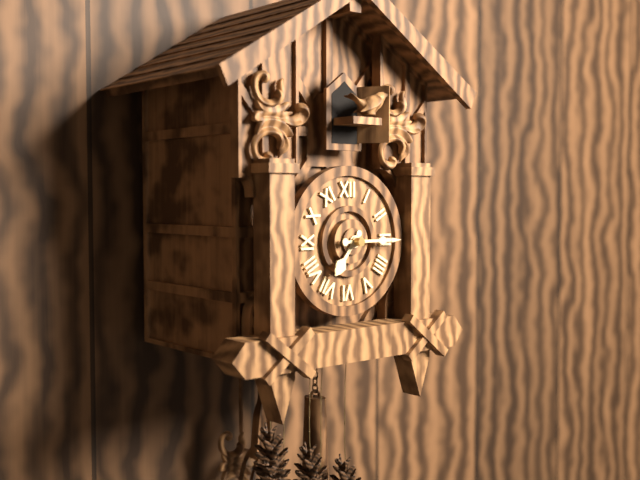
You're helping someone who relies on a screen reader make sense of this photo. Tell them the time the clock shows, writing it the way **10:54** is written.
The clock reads **7:15**
